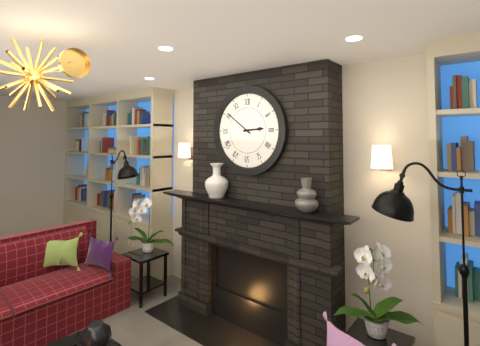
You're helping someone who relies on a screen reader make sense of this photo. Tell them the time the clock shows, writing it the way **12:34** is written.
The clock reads **2:51**
